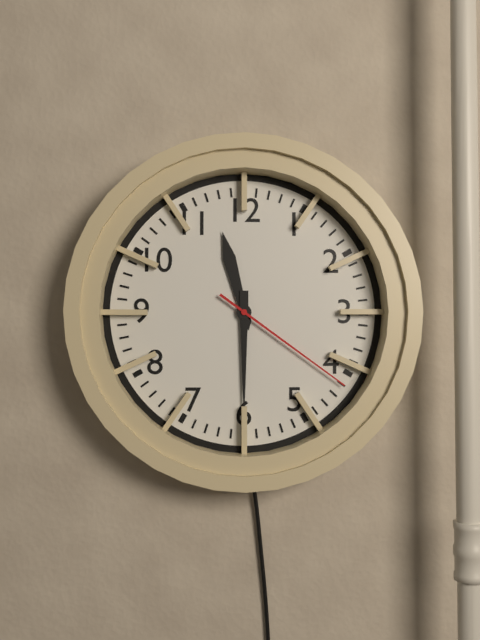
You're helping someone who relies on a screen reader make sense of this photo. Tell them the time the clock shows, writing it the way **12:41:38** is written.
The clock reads **11:30:21**
